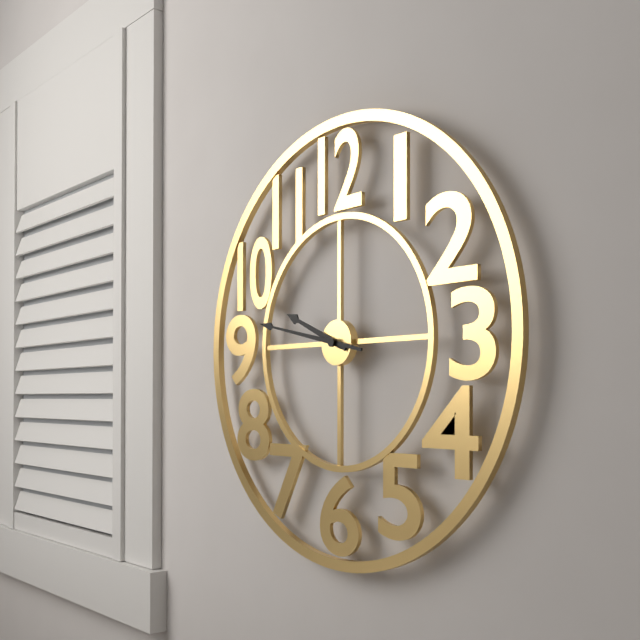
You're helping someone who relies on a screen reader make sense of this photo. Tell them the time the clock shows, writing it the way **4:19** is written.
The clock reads **9:47**
